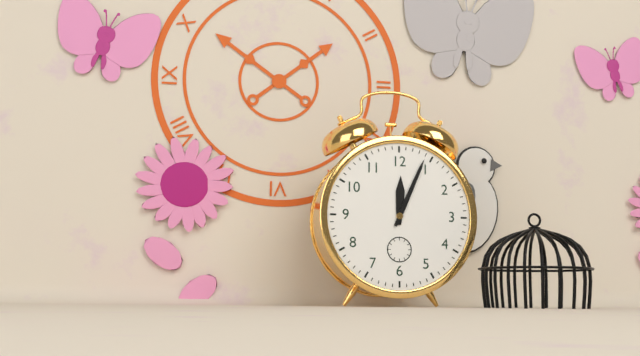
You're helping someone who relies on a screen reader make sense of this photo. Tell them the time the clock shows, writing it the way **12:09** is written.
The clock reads **12:04**
